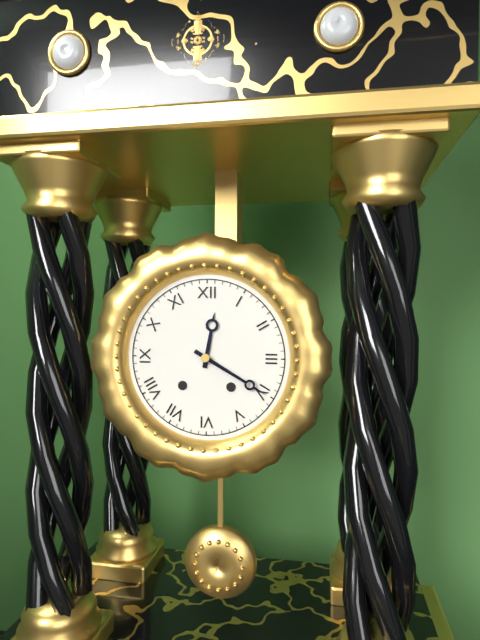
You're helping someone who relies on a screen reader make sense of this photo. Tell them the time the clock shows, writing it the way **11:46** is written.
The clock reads **12:20**
